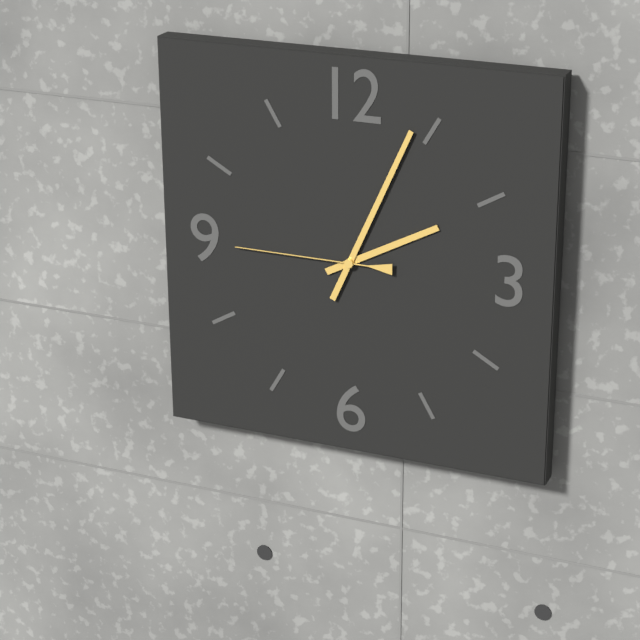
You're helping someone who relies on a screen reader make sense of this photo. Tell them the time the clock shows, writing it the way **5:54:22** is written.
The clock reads **2:04:45**
